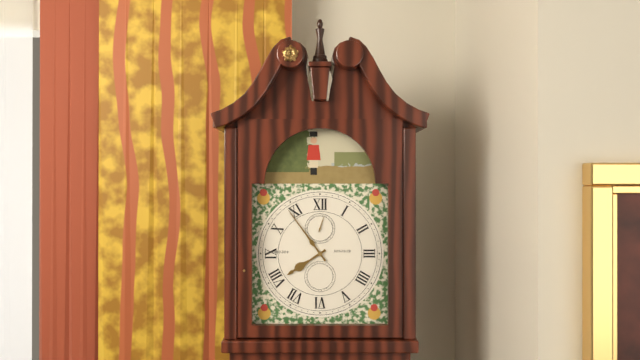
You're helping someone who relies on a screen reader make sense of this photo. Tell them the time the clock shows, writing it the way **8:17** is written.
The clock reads **7:54**
